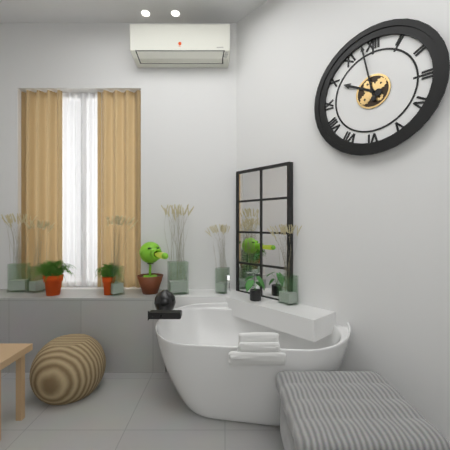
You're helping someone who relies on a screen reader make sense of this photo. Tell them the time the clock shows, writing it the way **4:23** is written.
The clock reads **9:58**
